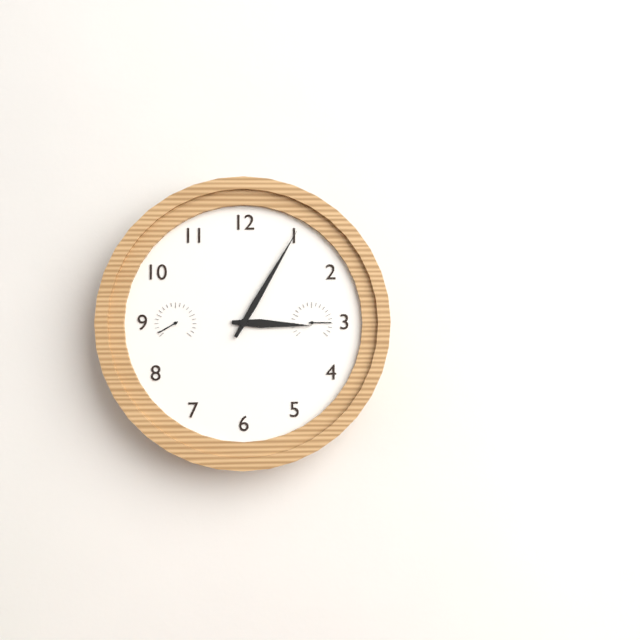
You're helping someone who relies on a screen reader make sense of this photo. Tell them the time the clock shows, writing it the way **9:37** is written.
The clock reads **3:05**
